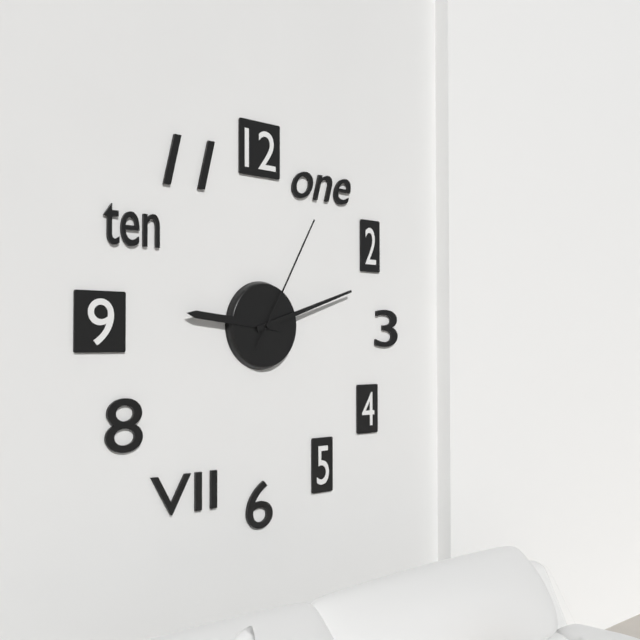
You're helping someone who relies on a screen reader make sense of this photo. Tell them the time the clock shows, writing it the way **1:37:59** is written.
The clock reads **9:12:05**
